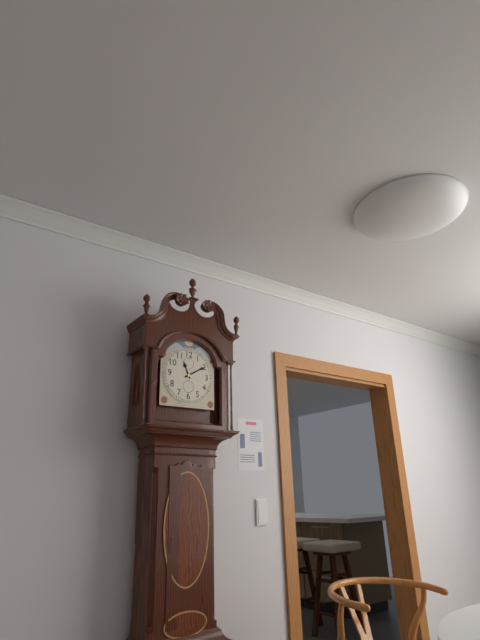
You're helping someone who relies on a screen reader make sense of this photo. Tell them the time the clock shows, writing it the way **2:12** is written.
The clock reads **11:10**
